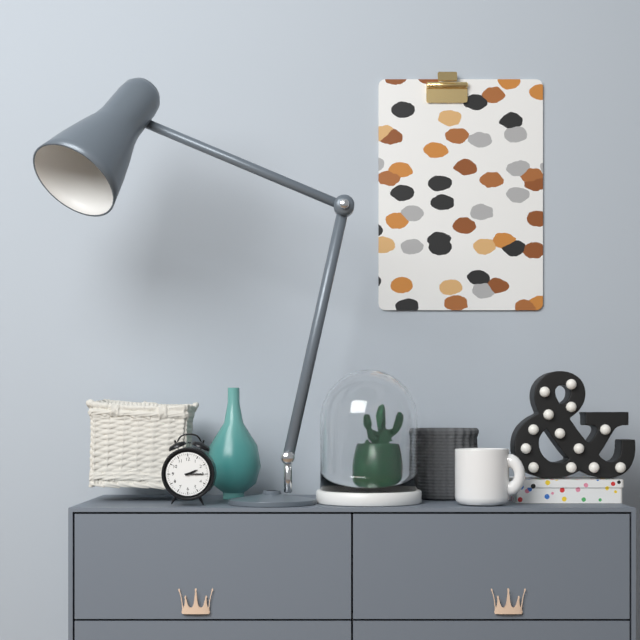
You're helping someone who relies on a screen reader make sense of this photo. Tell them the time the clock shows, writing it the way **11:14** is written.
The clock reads **2:15**
